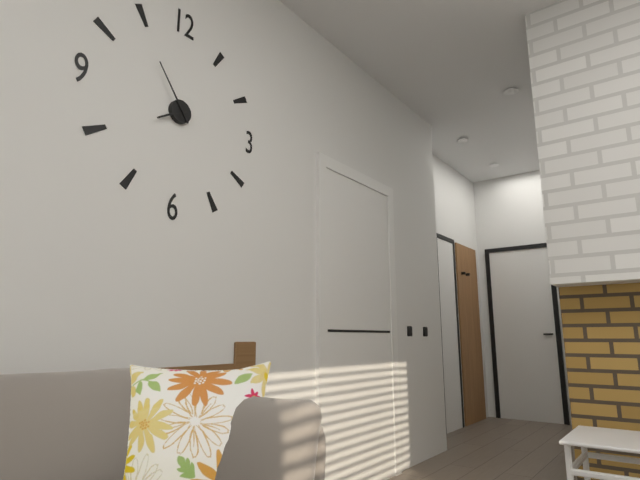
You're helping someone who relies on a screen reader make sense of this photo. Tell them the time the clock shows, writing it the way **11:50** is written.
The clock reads **7:54**
